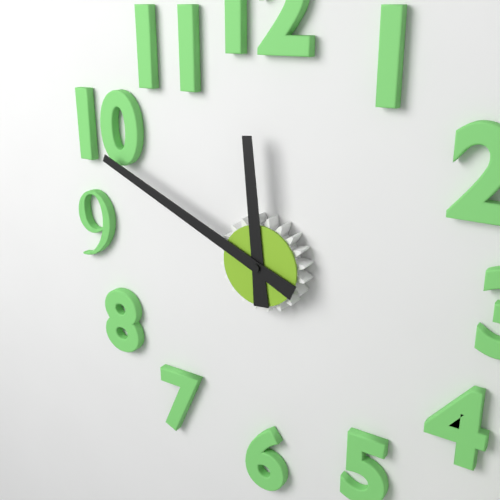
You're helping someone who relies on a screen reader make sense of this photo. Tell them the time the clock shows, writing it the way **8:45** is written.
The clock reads **11:49**
